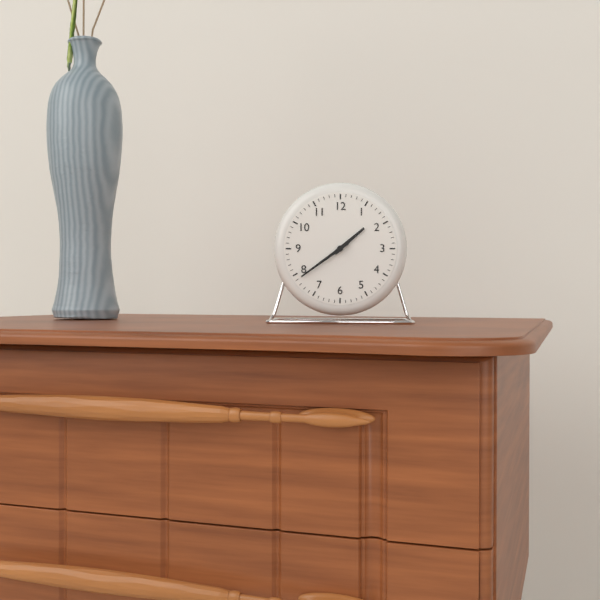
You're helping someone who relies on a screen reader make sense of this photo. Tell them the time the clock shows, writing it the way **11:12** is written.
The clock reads **1:39**
